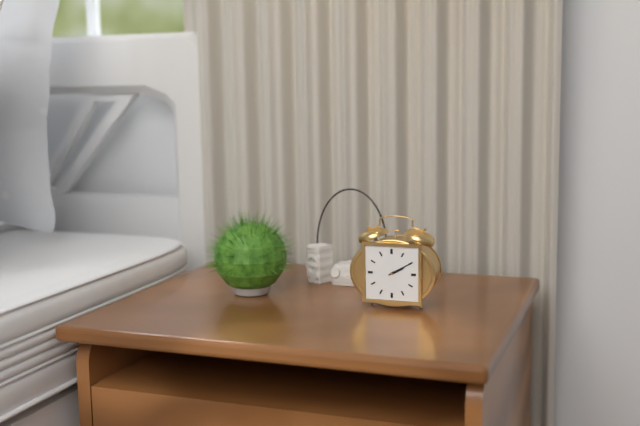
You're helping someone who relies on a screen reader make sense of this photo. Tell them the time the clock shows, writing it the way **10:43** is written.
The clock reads **2:10**
